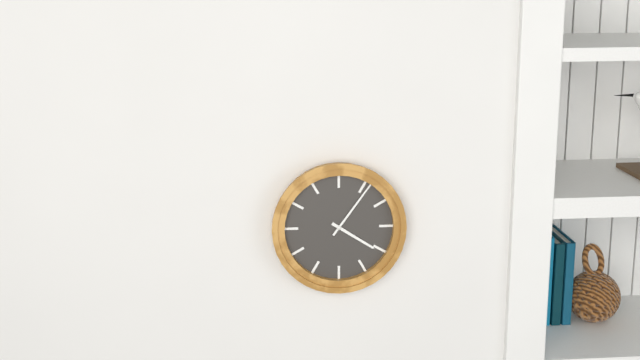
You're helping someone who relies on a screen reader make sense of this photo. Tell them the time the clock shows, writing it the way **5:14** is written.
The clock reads **4:06**
